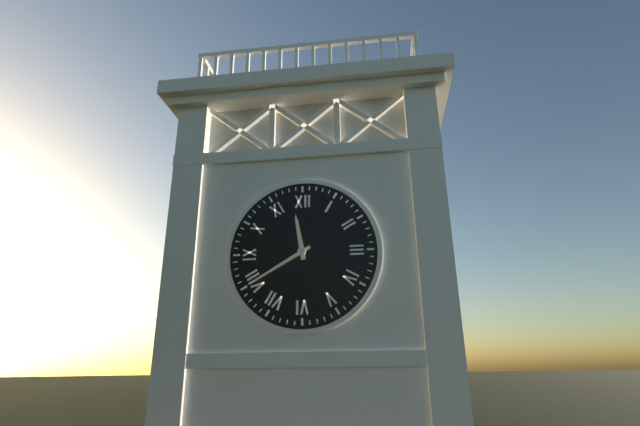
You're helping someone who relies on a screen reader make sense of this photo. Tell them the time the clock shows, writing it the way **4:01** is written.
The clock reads **11:40**
